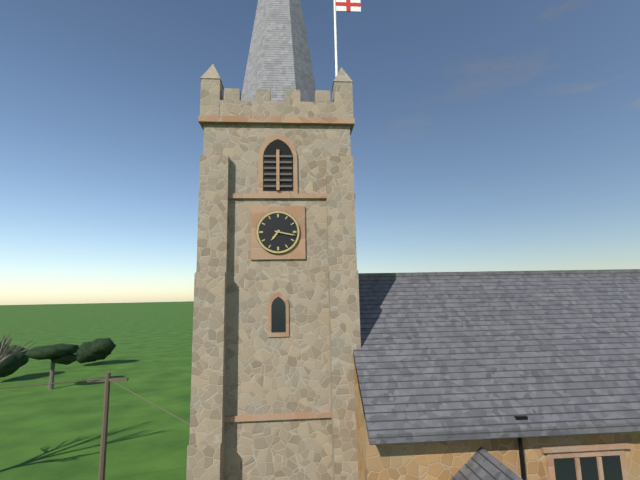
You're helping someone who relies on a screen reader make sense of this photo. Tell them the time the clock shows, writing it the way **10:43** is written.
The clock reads **7:17**
